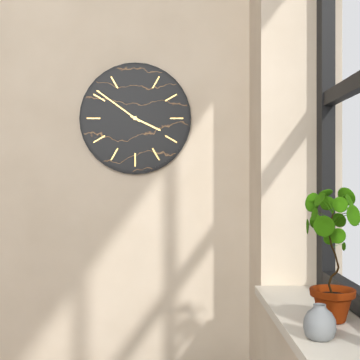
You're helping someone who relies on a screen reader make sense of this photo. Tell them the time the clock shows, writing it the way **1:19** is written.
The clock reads **3:51**
